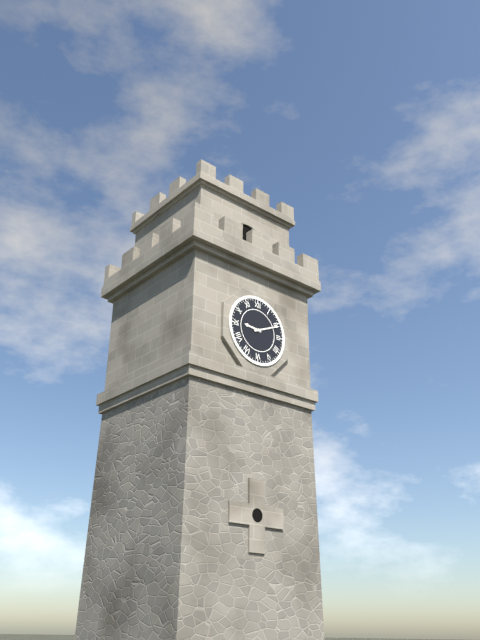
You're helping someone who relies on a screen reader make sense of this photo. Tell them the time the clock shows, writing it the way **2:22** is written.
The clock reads **9:11**
